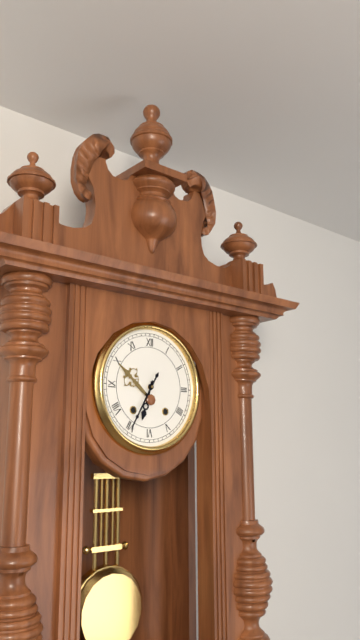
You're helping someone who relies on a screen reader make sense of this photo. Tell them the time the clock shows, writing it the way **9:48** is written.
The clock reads **6:35**
